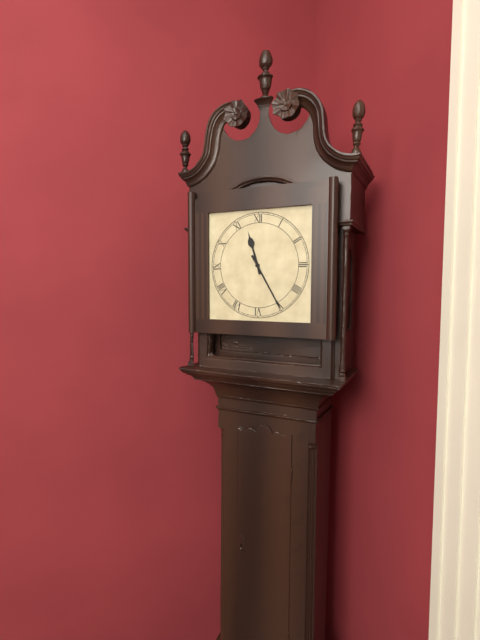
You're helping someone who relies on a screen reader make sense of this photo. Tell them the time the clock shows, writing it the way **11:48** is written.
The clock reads **11:25**
